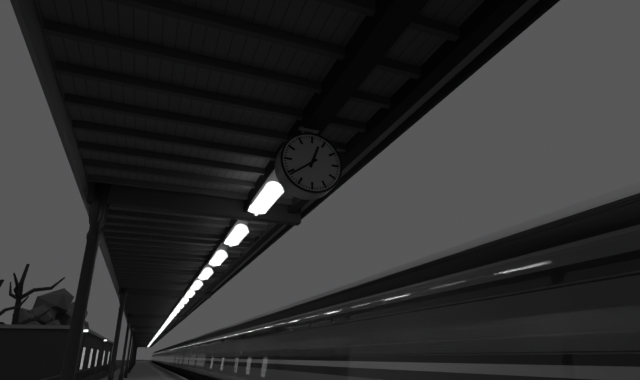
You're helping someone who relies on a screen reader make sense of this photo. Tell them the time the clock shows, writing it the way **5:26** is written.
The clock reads **12:39**
